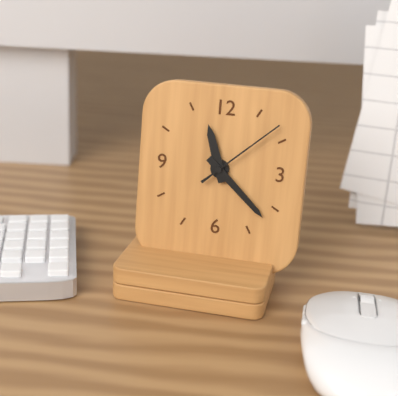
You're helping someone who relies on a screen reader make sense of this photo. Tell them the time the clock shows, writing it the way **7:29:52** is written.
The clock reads **11:22:08**
